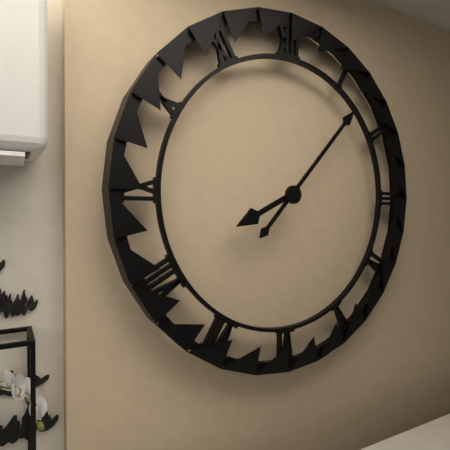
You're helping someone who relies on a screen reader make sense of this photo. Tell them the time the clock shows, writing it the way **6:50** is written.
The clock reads **8:07**
